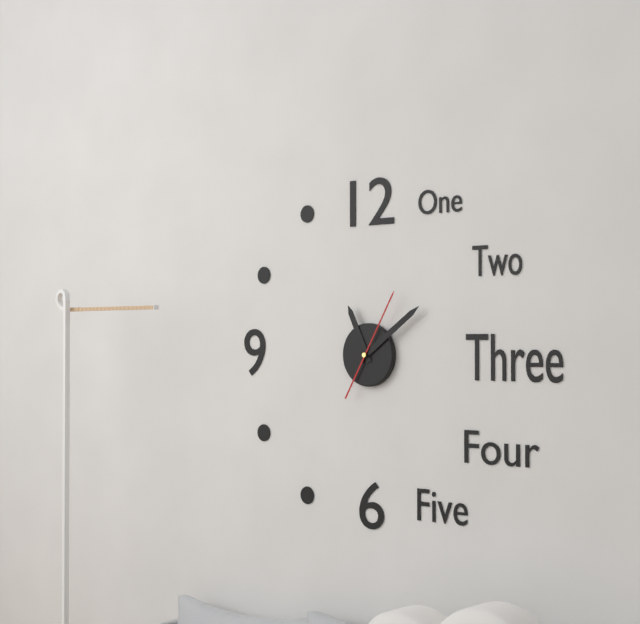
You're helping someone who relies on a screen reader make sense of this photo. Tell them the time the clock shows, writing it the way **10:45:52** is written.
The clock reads **11:09:05**
